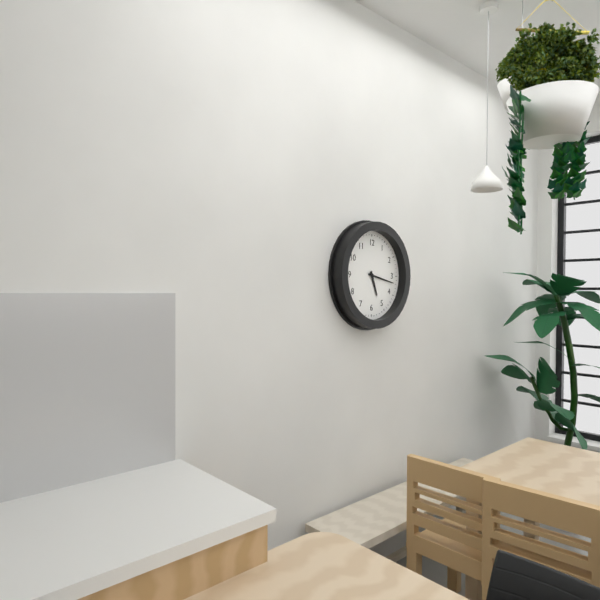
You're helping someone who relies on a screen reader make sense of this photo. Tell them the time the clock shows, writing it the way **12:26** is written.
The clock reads **5:17**
